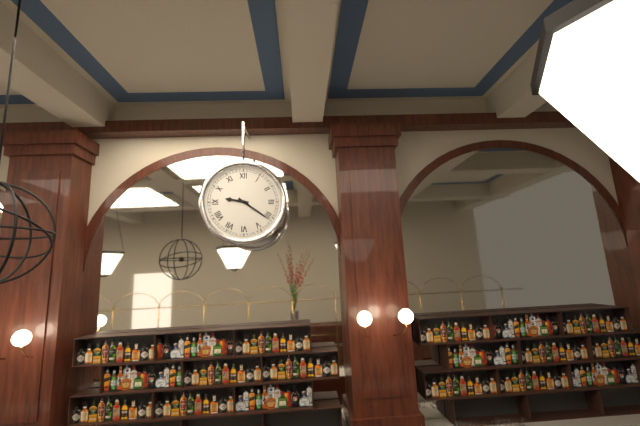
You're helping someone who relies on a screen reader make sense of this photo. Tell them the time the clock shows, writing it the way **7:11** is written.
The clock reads **9:21**
